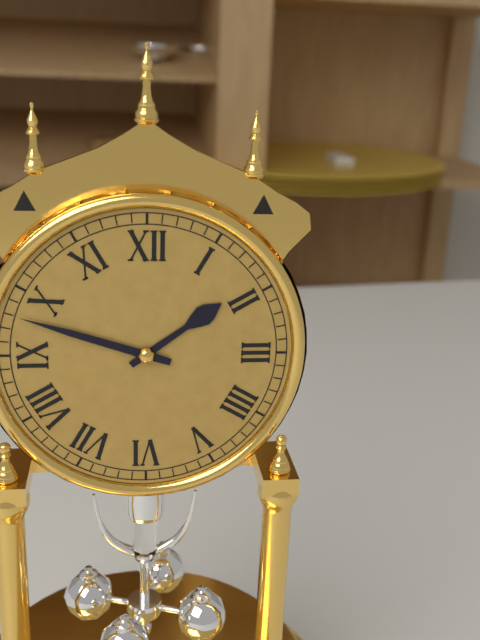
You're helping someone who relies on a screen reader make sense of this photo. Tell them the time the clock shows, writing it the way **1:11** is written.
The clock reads **1:48**
